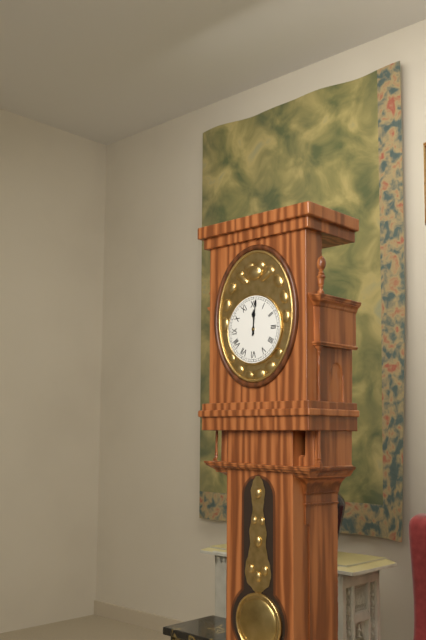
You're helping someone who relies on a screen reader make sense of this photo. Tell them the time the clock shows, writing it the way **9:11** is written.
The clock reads **12:01**
